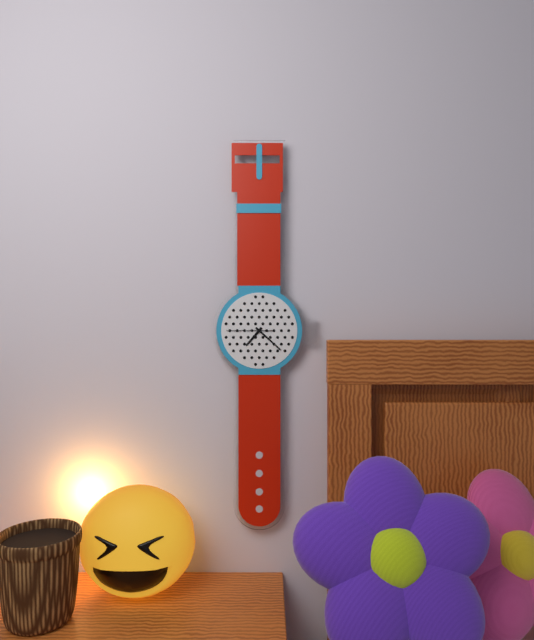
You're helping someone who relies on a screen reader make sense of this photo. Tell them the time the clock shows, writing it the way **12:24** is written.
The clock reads **7:22**
